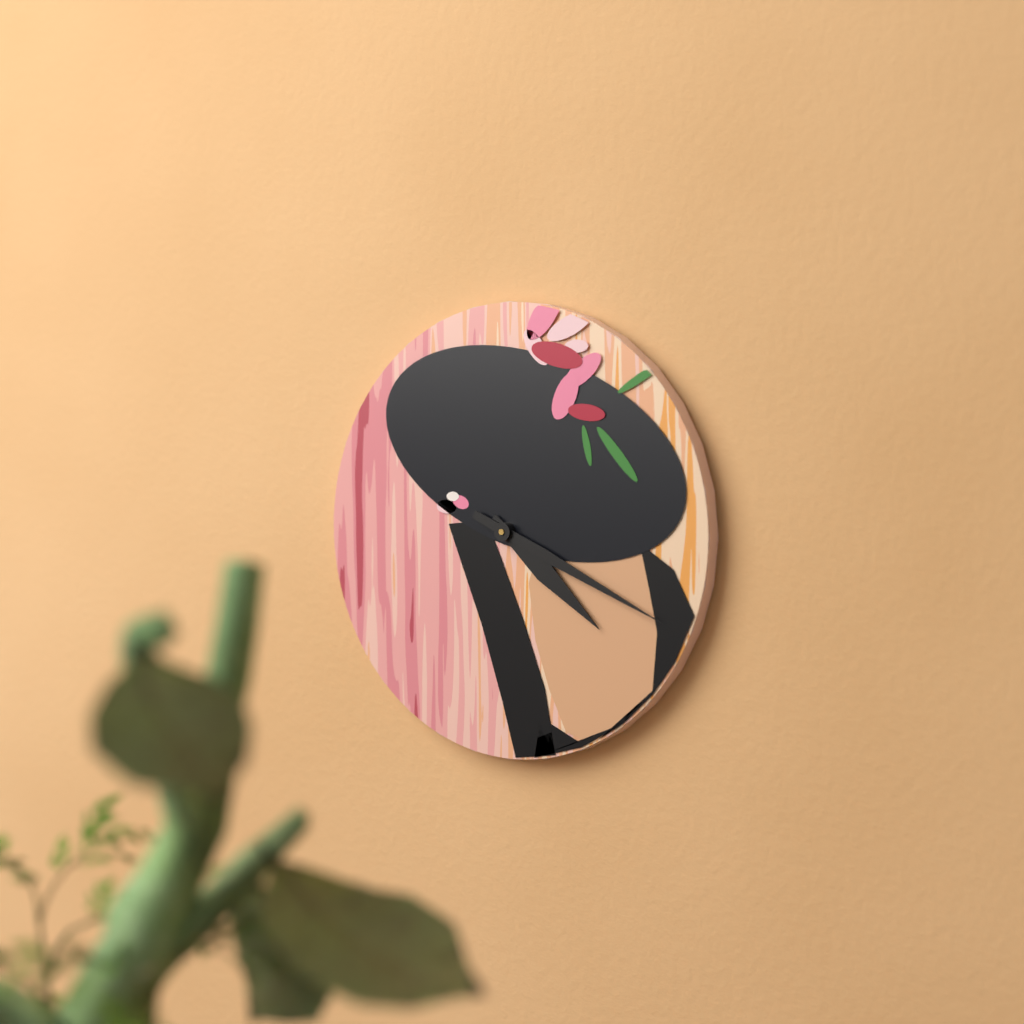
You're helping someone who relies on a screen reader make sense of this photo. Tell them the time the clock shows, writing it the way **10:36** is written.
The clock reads **4:19**
